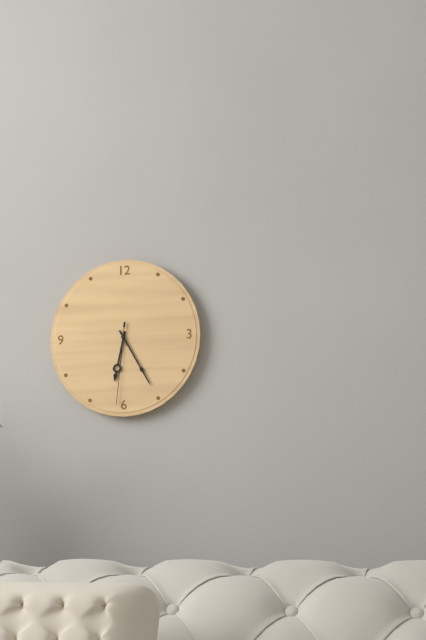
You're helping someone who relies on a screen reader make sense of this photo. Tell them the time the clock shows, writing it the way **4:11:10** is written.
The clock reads **6:25:31**
